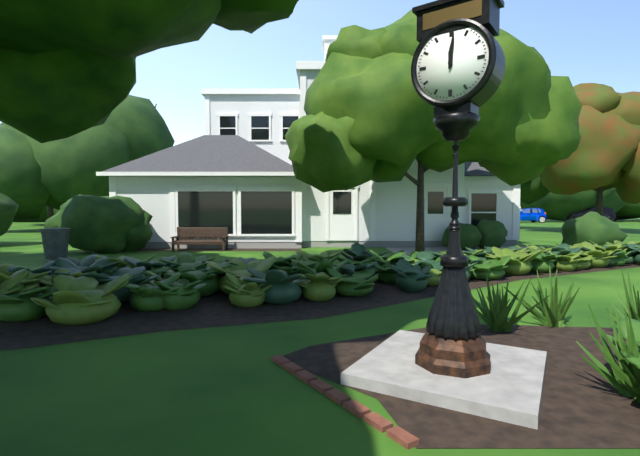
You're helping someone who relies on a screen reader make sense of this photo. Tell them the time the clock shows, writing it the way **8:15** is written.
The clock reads **12:01**
